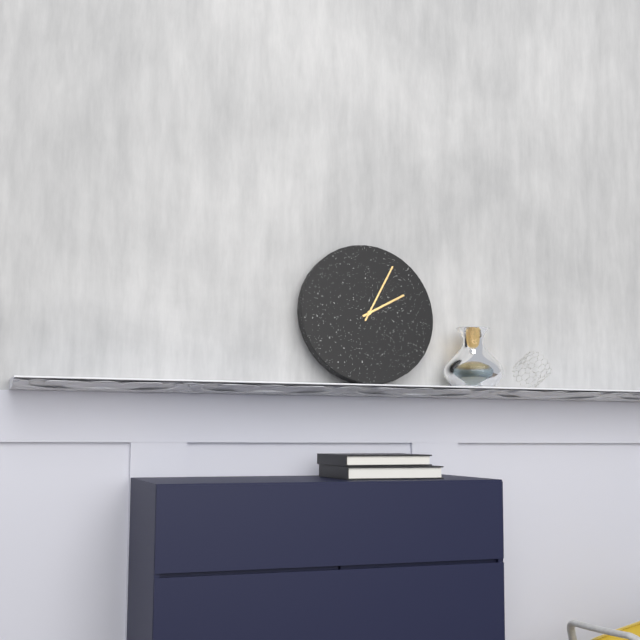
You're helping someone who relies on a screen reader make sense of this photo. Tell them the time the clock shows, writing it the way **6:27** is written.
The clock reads **2:05**
